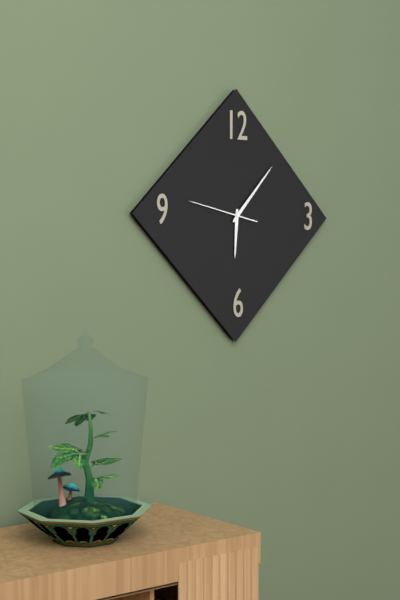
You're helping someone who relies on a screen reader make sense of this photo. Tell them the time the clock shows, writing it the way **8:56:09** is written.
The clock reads **6:07:47**
